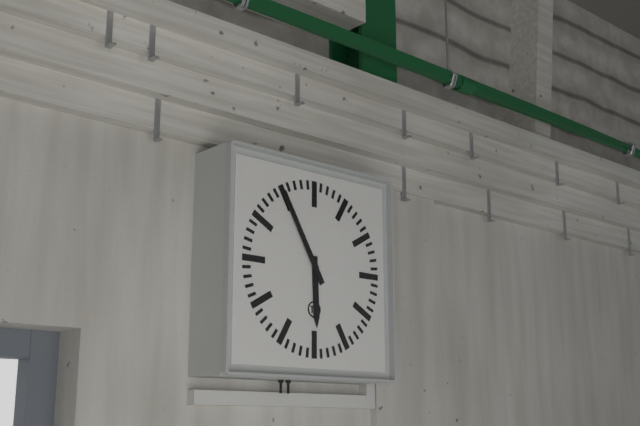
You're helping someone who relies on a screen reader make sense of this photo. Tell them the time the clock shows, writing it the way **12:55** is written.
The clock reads **5:55**
